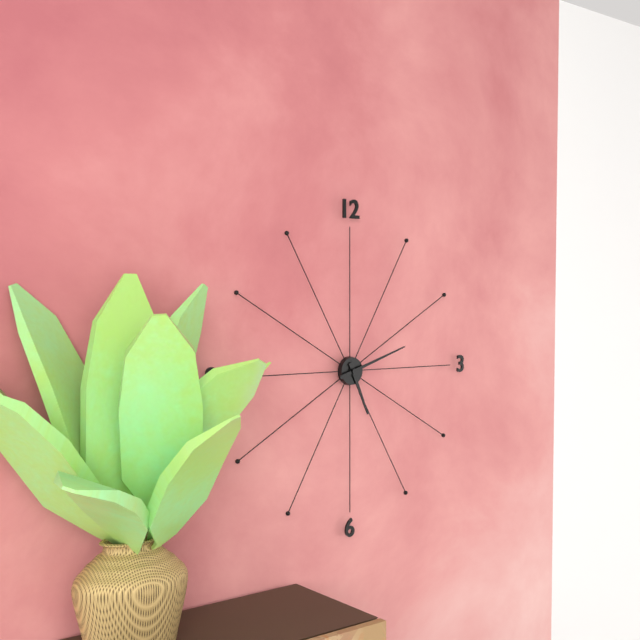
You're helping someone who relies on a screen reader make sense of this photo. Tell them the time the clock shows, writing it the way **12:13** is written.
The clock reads **5:12**
